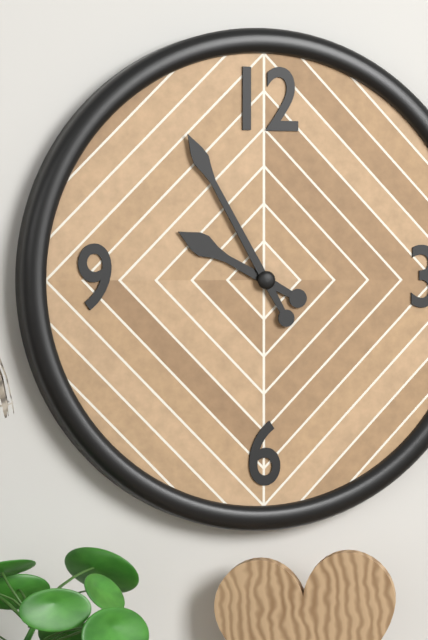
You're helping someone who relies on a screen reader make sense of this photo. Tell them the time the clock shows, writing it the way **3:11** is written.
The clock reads **9:55**
